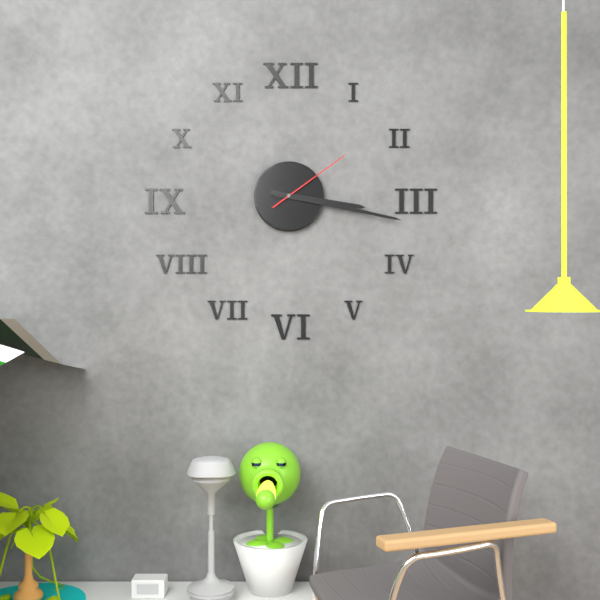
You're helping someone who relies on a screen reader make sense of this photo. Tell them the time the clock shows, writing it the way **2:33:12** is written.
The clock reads **3:17:09**
